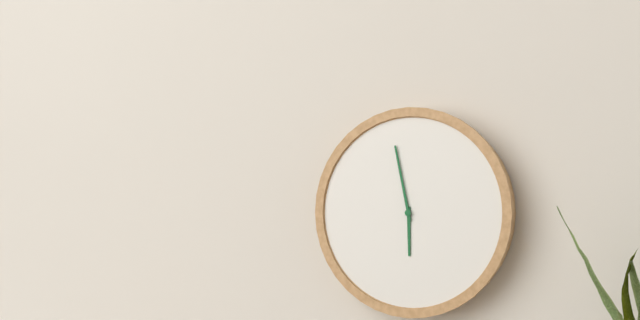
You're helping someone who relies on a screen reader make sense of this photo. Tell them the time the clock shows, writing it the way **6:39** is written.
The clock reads **5:58**
